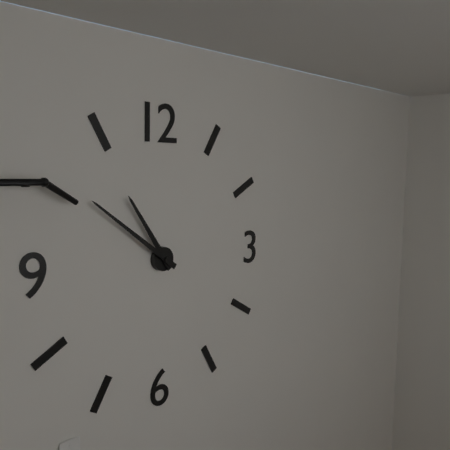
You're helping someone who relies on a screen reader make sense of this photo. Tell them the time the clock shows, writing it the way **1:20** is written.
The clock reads **10:51**
